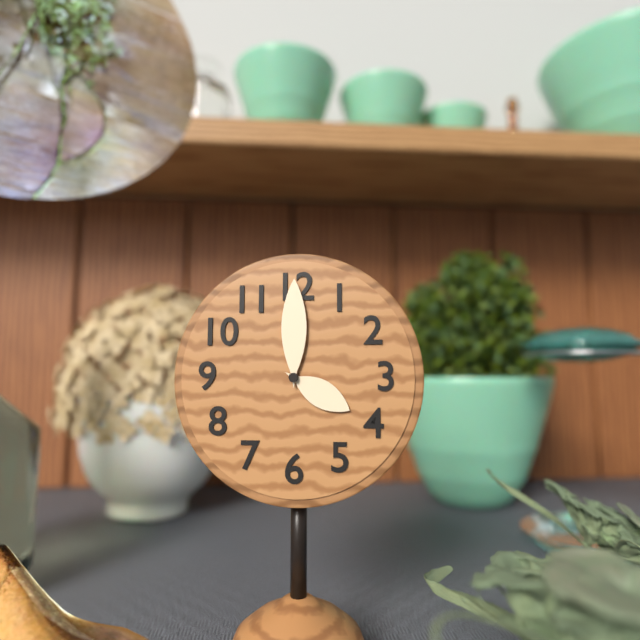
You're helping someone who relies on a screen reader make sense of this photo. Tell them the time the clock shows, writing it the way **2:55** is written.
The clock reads **4:00**
